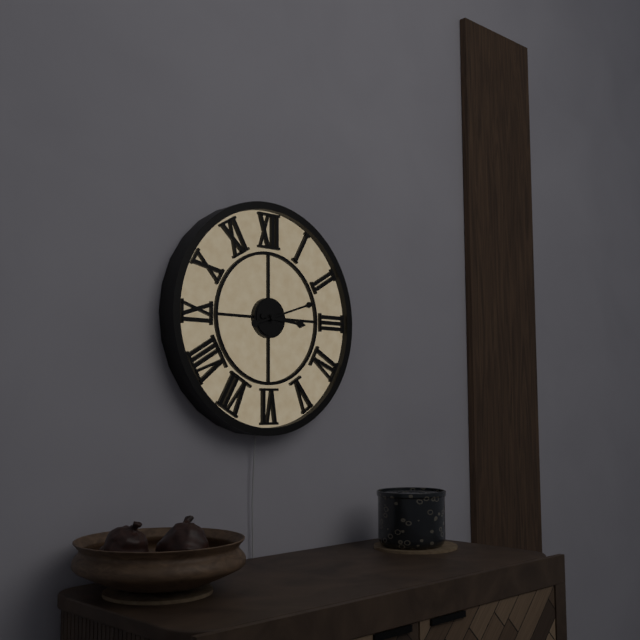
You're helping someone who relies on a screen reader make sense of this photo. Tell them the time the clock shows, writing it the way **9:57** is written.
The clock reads **3:12**
